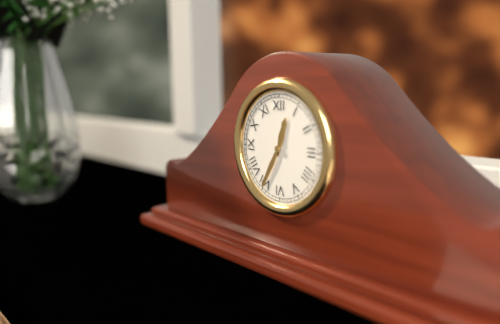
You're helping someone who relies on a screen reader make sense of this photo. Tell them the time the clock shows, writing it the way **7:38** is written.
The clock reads **12:35**
